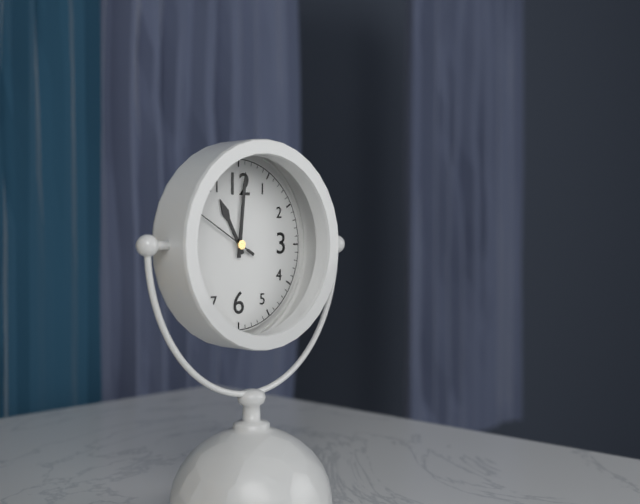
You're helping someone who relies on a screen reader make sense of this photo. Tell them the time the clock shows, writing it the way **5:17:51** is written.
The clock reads **11:01:50**
